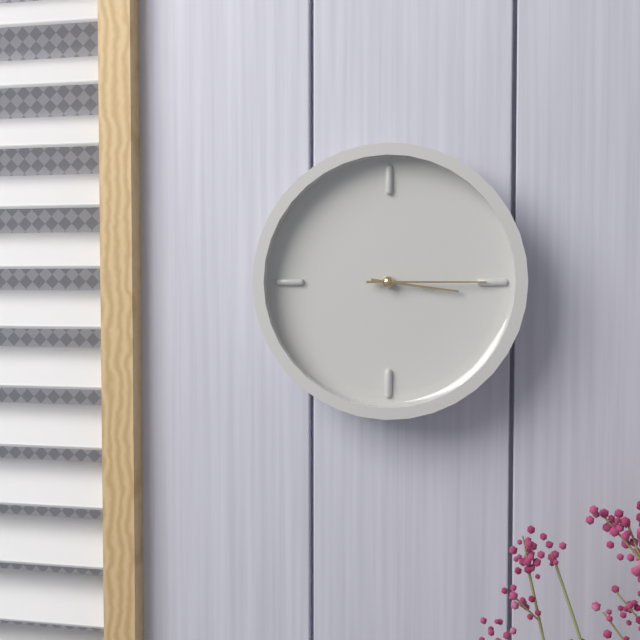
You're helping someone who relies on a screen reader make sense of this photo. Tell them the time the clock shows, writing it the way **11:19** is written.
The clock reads **3:15**
